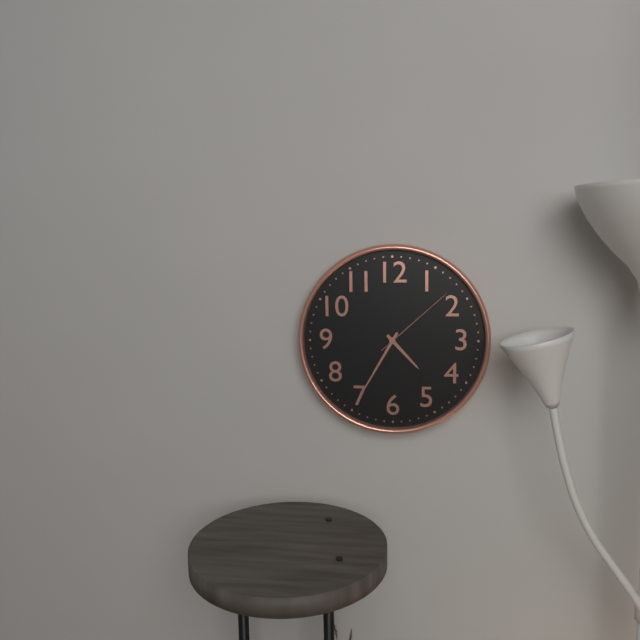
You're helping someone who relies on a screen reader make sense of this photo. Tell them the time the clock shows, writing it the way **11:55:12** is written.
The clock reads **4:35:08**
